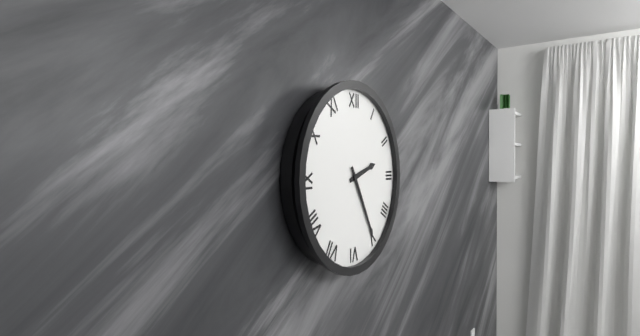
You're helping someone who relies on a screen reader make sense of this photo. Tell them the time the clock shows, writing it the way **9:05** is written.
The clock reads **2:25**
